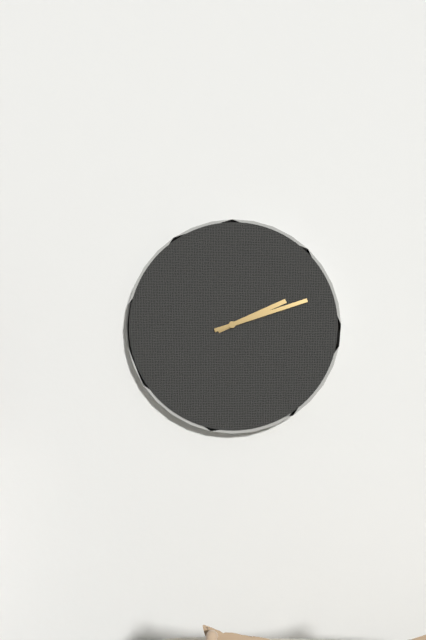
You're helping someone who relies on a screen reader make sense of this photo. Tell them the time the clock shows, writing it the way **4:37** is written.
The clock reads **2:12**
